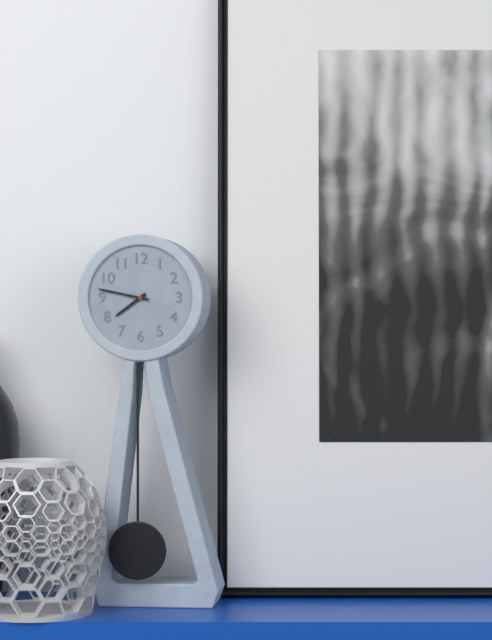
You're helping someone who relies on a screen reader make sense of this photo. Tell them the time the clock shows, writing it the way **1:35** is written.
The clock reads **7:47**
